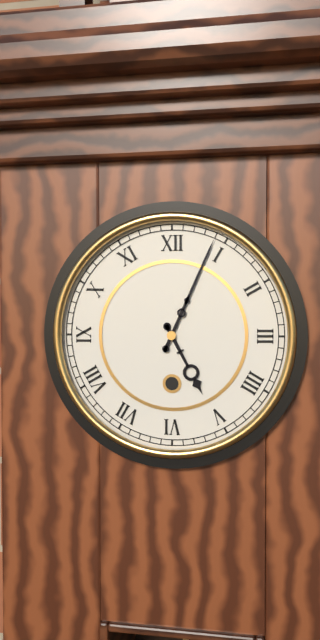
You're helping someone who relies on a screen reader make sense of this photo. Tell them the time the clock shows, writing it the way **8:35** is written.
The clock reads **5:04**
